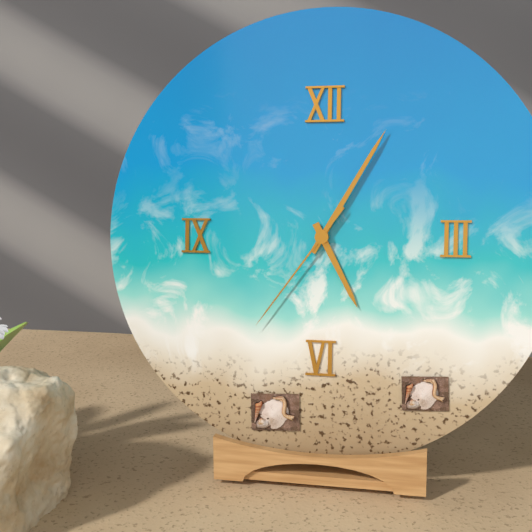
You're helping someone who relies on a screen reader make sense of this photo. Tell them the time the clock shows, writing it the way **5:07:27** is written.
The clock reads **5:05:36**
